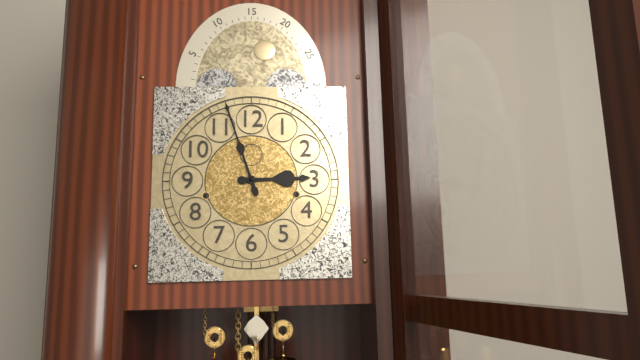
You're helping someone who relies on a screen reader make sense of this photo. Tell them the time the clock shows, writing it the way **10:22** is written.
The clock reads **2:57**
